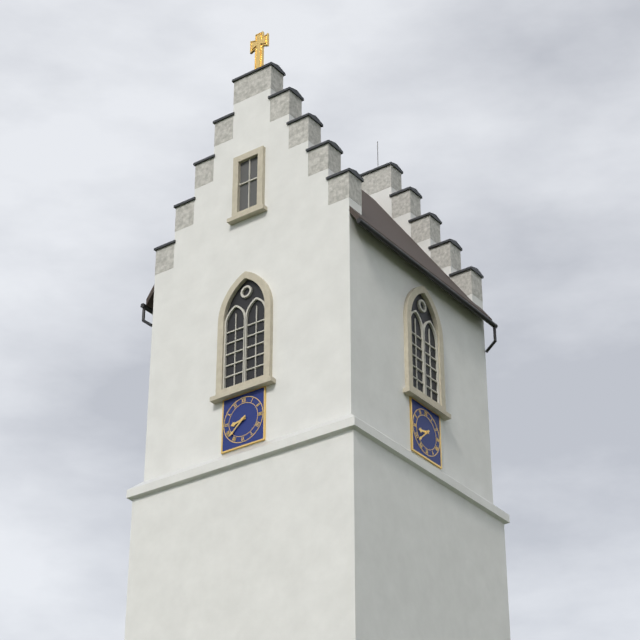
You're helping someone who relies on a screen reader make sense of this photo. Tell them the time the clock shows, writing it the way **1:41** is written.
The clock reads **8:38**
